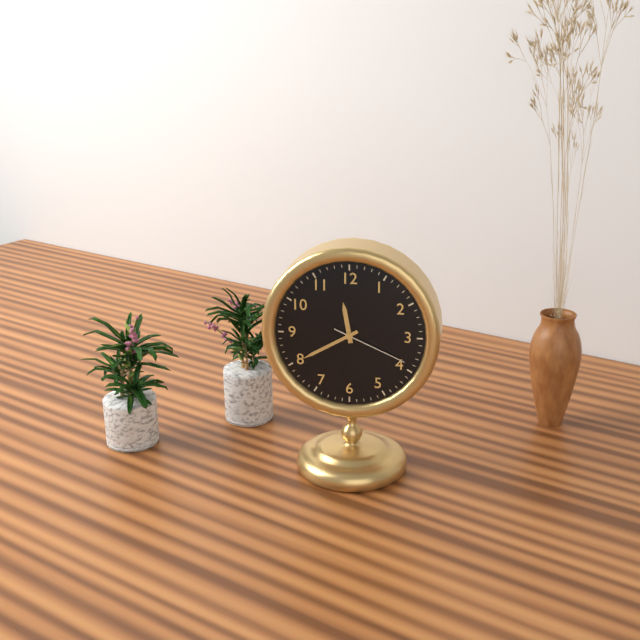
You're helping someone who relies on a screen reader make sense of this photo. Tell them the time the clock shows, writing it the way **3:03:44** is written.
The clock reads **11:40:19**
